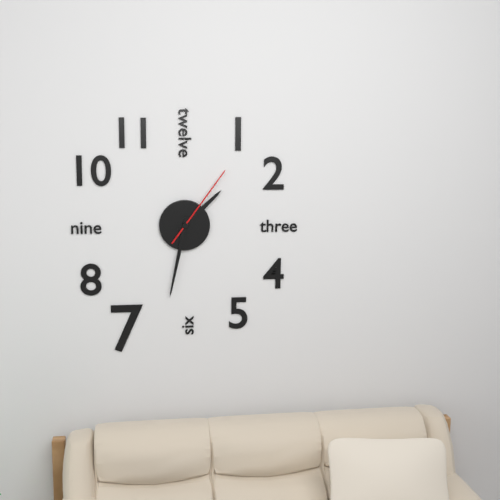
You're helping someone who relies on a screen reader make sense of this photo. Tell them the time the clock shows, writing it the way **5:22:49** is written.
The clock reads **1:32:06**
